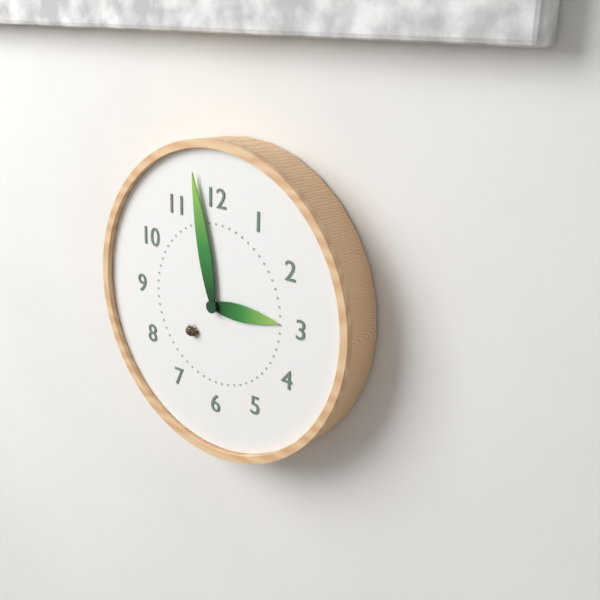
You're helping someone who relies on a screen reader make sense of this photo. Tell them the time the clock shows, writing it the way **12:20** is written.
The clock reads **2:58**
